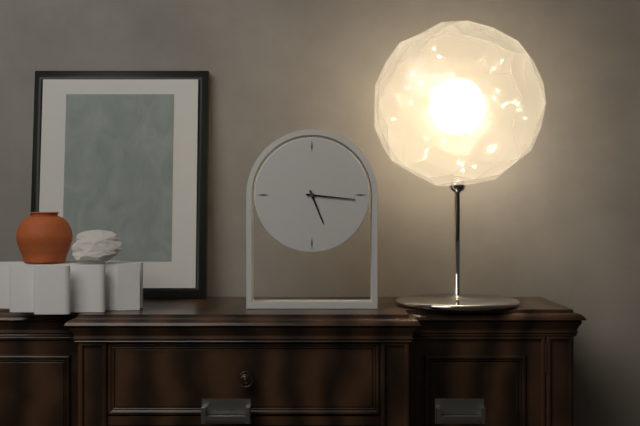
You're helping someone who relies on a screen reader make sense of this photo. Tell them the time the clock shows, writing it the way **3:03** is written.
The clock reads **5:16**
